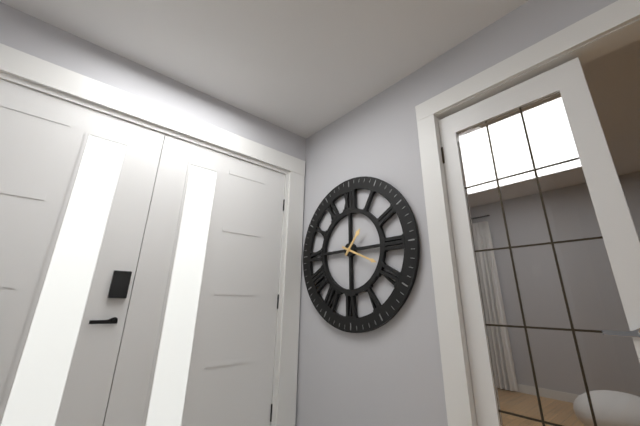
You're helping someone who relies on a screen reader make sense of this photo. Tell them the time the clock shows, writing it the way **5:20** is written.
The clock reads **1:19**
